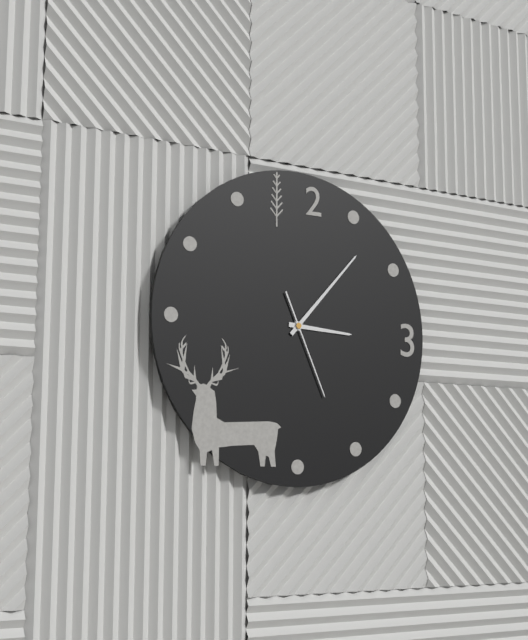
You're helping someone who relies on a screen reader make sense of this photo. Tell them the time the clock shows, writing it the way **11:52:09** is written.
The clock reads **3:07:26**
